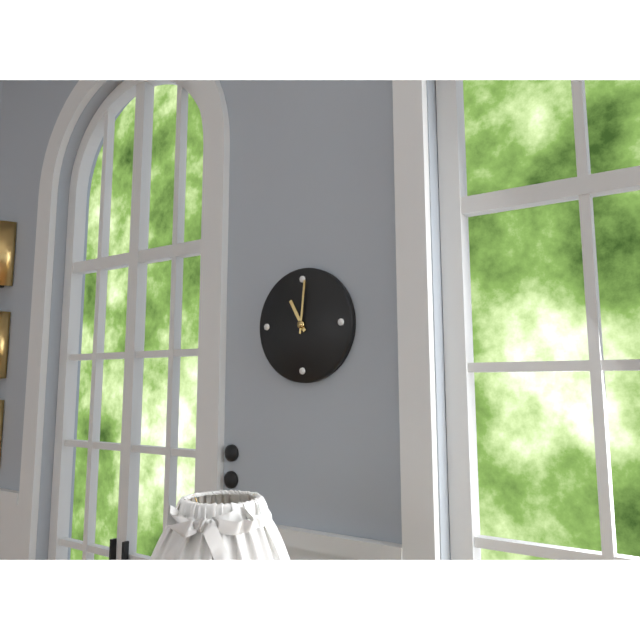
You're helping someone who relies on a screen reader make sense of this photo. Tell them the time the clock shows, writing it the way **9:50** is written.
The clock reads **11:01**
